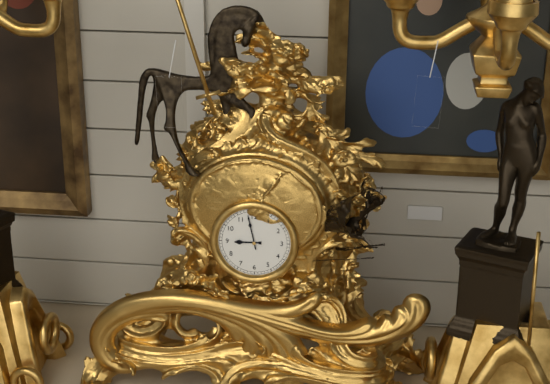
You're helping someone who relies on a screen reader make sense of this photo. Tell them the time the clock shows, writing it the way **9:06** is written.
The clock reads **8:58**
